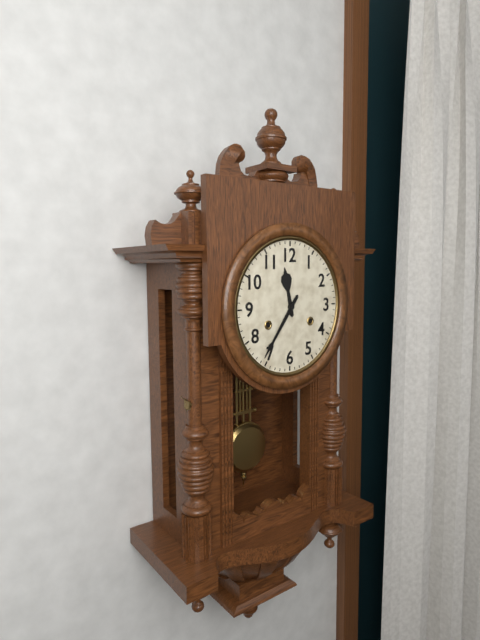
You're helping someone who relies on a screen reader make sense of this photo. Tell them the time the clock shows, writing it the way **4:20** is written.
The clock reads **11:36**
